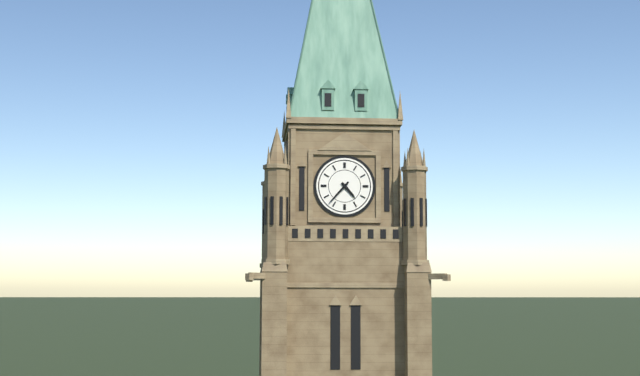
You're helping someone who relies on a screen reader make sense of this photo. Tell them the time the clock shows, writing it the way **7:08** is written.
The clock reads **4:37**
